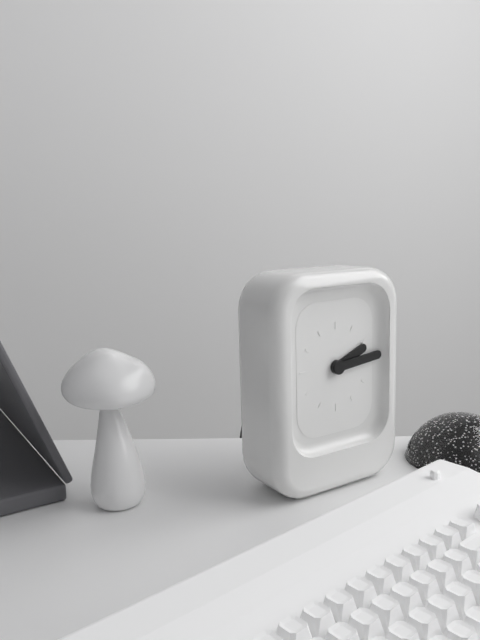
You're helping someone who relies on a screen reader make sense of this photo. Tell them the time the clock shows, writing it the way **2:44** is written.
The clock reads **2:14**
